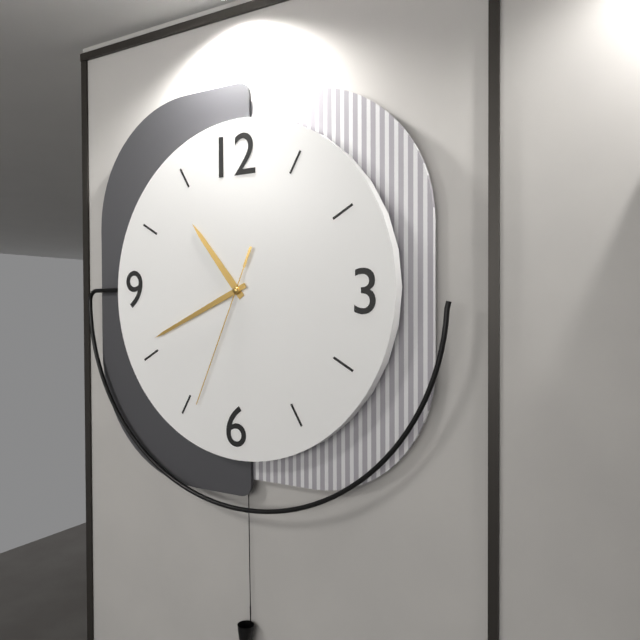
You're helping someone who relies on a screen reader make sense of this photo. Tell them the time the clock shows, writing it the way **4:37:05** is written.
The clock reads **10:41:34**
